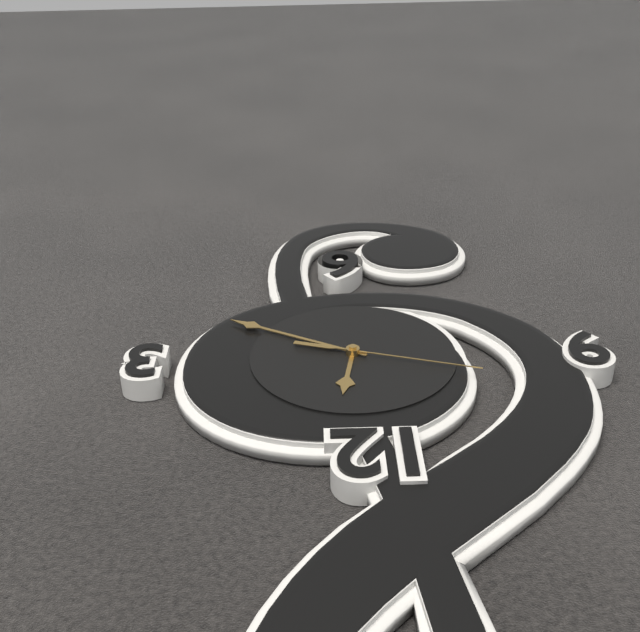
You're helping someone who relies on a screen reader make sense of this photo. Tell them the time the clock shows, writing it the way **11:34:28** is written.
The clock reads **12:20:48**
